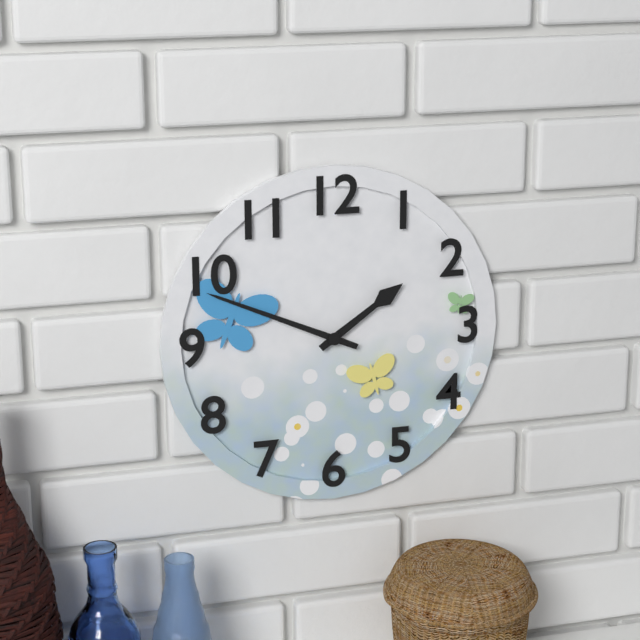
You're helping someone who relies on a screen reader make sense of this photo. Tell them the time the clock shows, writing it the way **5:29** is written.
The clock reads **1:49**
